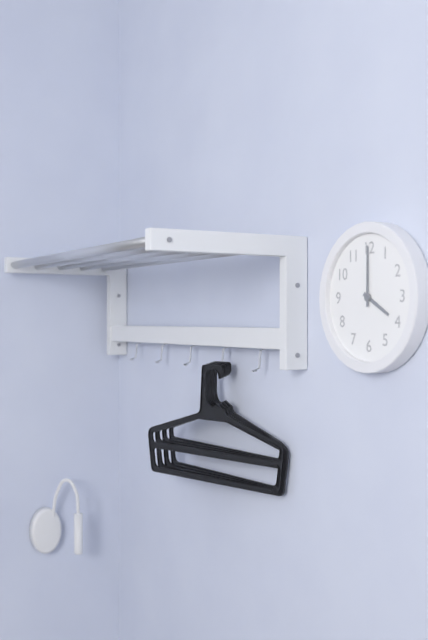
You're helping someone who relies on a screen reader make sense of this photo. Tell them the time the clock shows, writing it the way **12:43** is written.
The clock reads **4:00**
